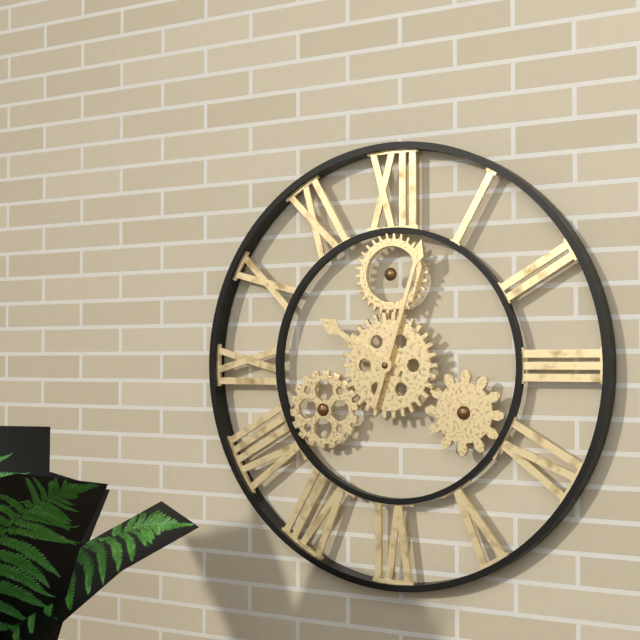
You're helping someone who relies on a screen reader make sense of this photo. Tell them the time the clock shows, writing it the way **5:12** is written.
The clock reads **10:03**
